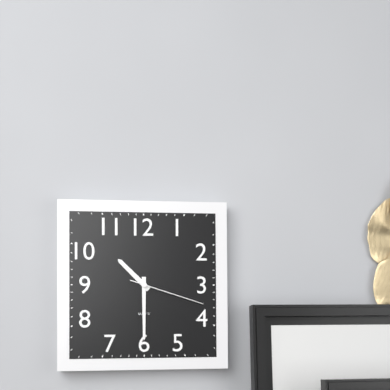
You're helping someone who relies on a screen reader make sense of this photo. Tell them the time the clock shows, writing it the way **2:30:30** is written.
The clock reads **10:30:18**
